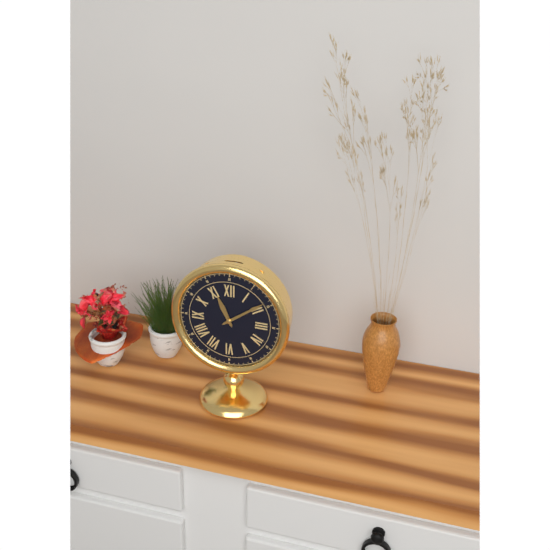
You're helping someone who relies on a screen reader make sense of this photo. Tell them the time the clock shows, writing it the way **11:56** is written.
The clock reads **11:09**
